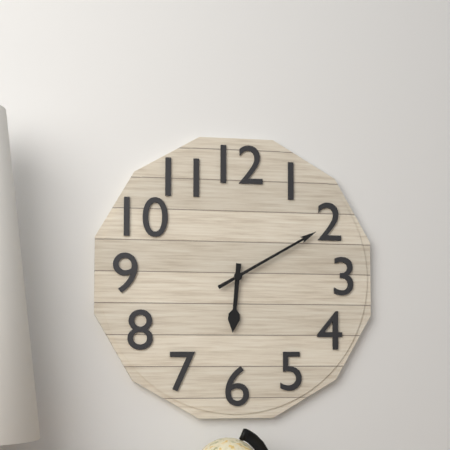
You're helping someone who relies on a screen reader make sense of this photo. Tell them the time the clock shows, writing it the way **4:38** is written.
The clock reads **6:10**
